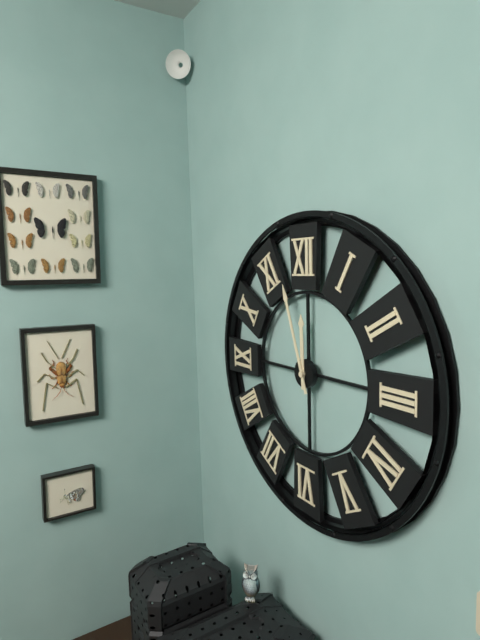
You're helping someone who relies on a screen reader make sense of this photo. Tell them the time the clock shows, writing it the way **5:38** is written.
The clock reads **11:57**
